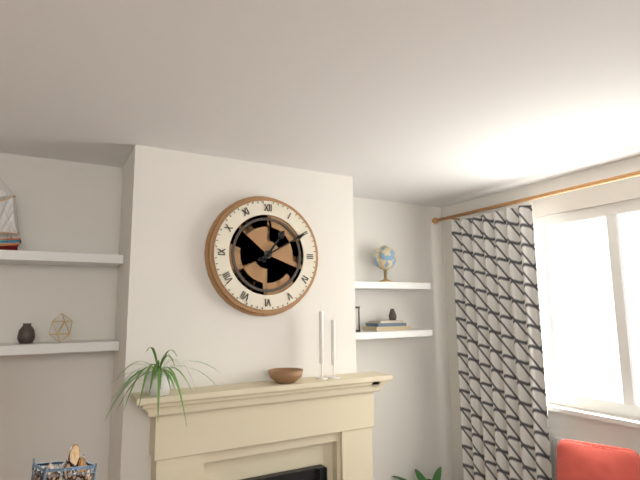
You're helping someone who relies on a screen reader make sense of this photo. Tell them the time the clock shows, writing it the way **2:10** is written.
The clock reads **1:10**
